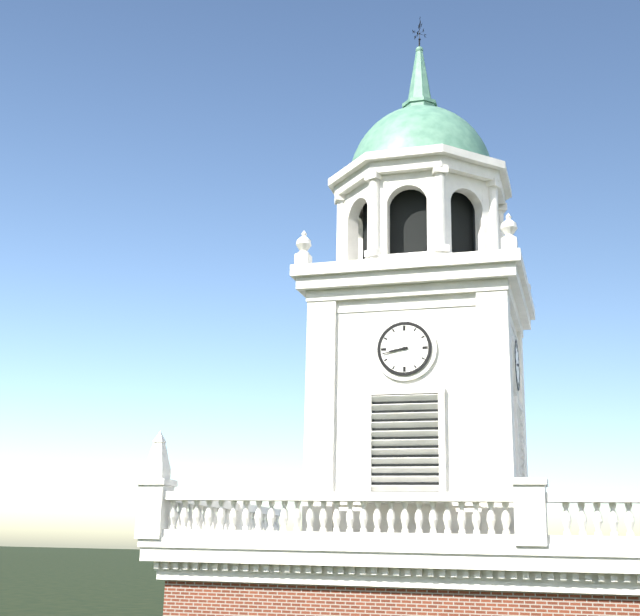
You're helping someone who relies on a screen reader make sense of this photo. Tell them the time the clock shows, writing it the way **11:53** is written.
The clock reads **8:43**
